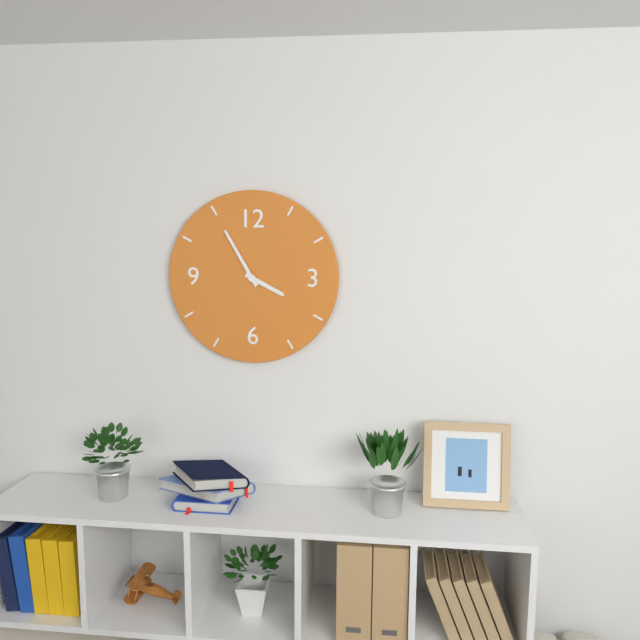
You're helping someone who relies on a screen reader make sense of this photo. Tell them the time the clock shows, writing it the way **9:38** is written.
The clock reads **3:55**
